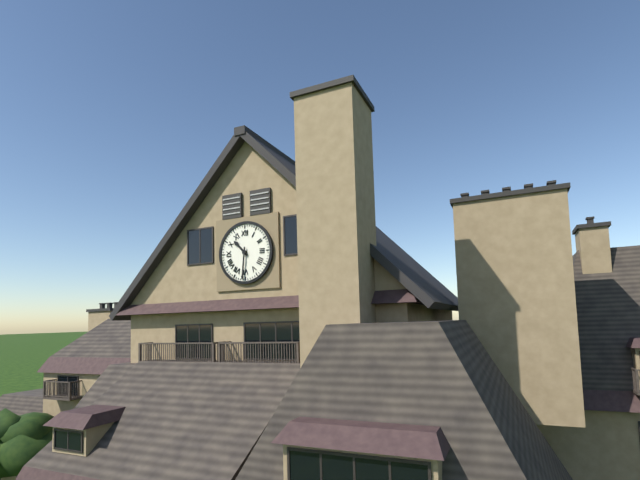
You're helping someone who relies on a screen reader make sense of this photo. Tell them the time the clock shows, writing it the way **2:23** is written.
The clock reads **10:31**
